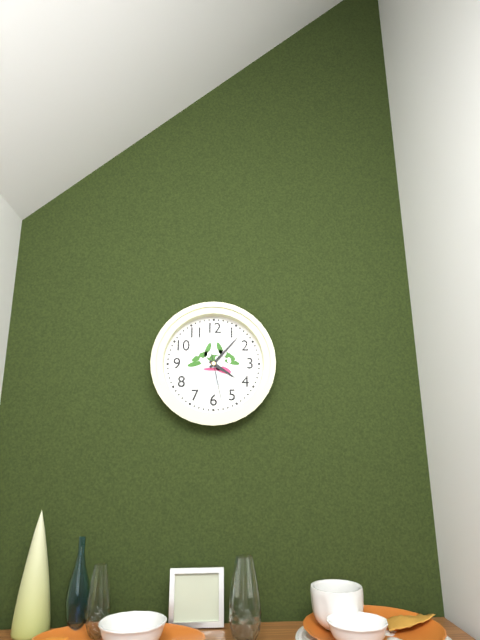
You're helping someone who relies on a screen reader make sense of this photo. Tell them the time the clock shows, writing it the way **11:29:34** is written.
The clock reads **4:07:28**
